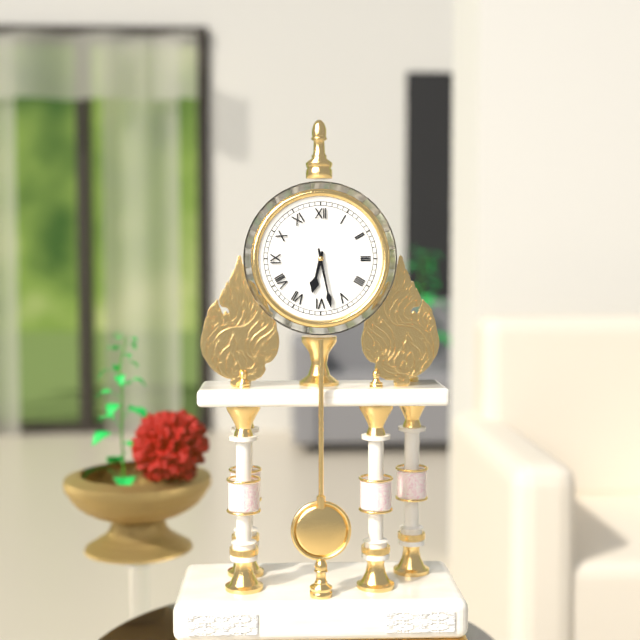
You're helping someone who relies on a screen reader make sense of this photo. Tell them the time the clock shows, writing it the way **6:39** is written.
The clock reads **6:28**
